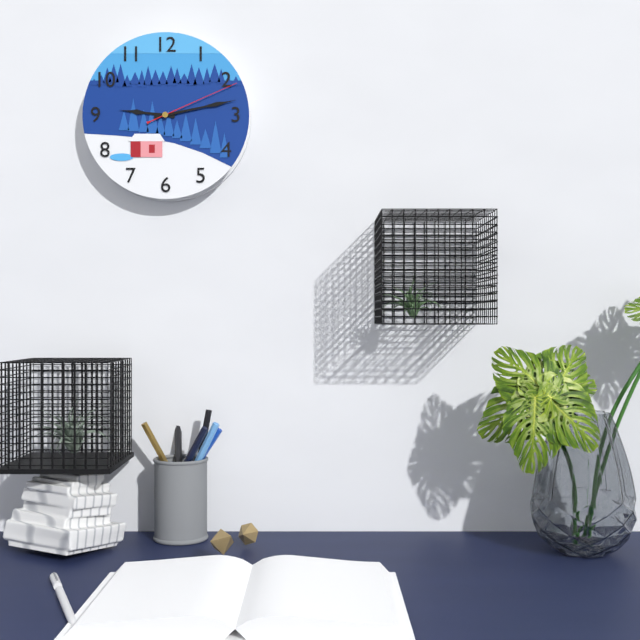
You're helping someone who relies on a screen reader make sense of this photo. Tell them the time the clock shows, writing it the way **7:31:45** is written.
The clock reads **9:13:11**
